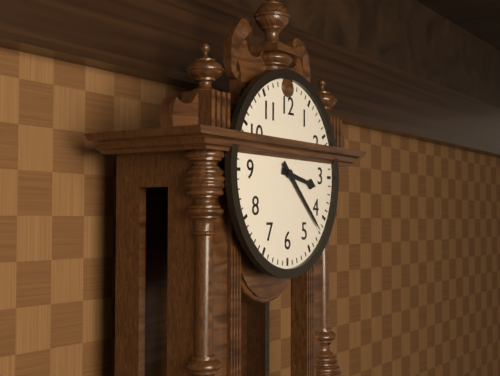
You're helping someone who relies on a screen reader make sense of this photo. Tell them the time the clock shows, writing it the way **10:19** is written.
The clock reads **3:22**
